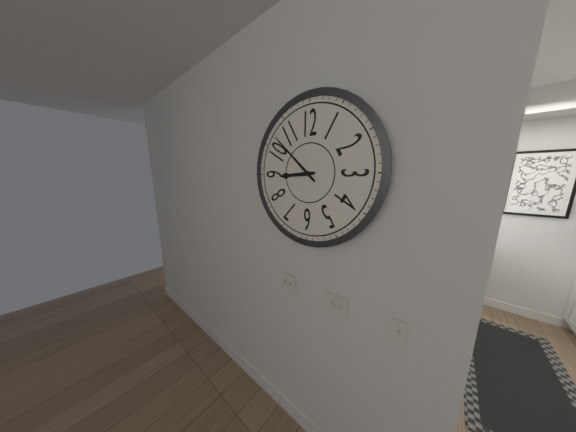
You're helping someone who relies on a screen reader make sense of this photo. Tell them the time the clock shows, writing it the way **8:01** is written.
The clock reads **8:52**
